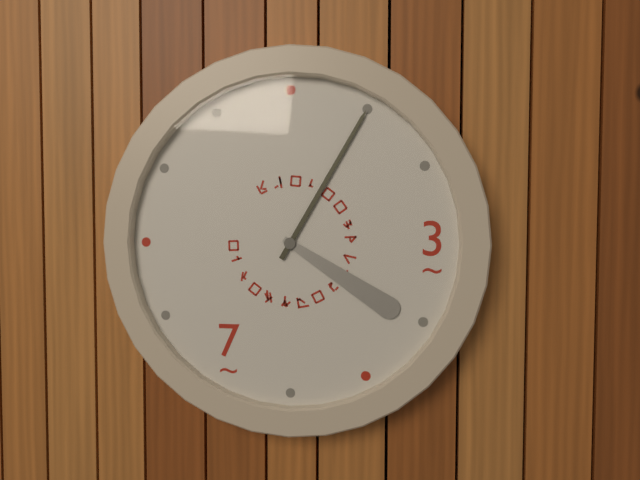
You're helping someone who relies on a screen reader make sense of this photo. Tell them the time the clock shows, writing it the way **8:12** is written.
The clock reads **4:05**
